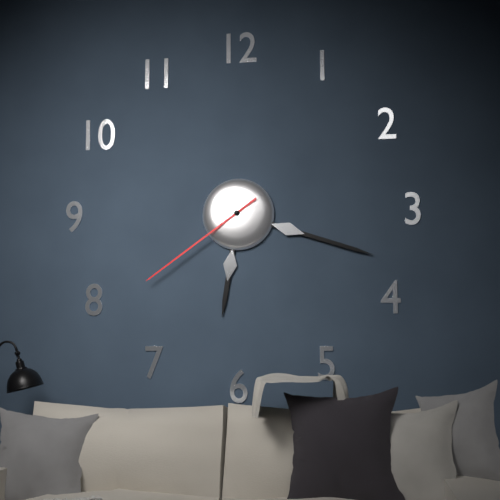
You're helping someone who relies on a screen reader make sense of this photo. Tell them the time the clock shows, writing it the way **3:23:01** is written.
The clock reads **6:18:39**
